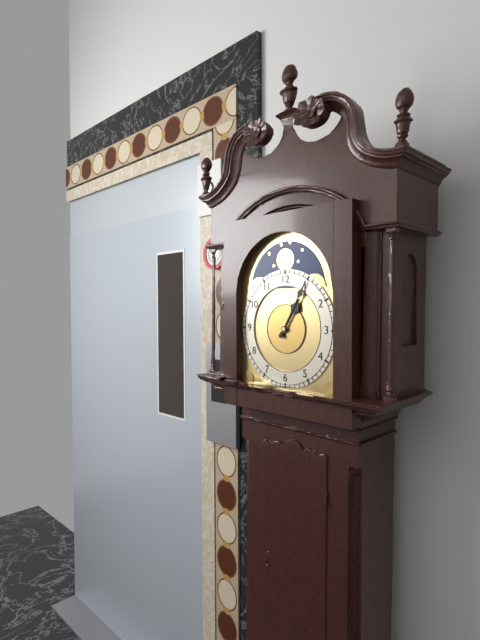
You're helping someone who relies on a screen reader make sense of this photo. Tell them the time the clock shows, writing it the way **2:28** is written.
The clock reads **1:05**
